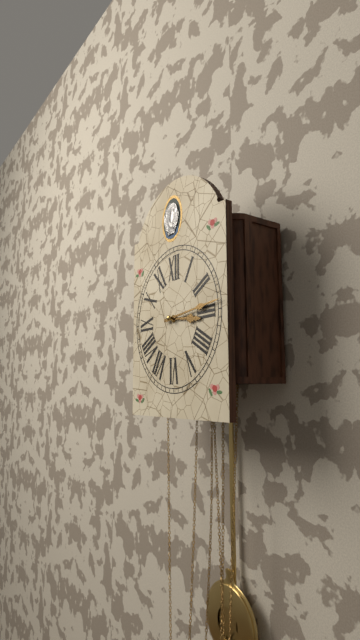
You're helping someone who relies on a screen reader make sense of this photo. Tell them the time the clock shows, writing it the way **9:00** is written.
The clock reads **3:14**
